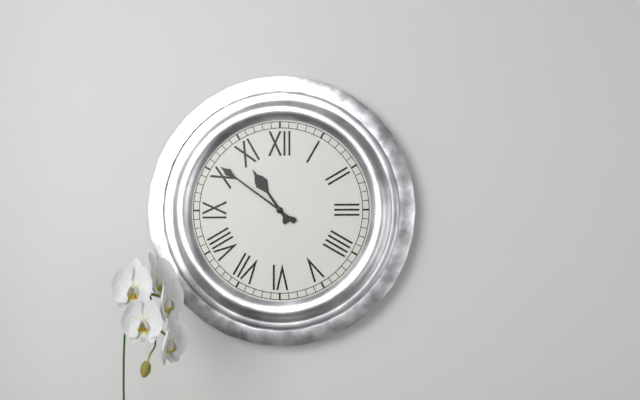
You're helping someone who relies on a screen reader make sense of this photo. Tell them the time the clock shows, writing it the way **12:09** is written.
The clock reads **10:51**
